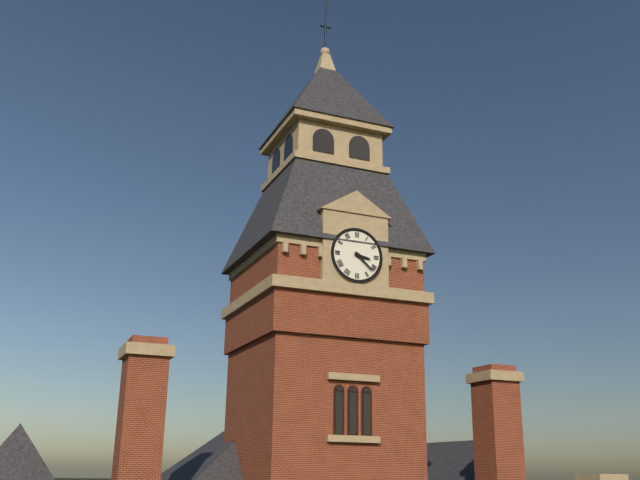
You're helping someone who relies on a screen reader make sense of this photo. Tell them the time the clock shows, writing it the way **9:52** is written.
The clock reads **3:22**
